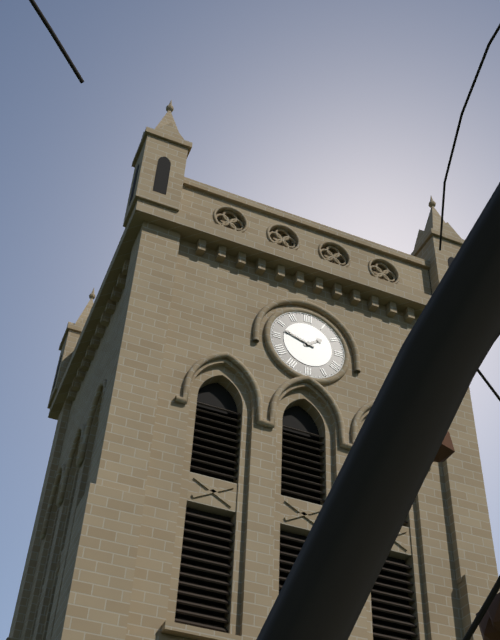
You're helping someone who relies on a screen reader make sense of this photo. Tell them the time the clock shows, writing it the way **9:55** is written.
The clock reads **1:48**
